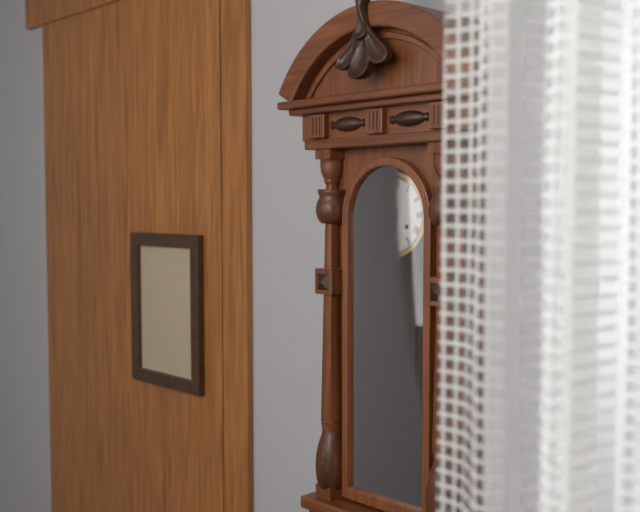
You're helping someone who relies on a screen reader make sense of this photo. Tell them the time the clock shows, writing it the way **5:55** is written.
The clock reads **6:31**
